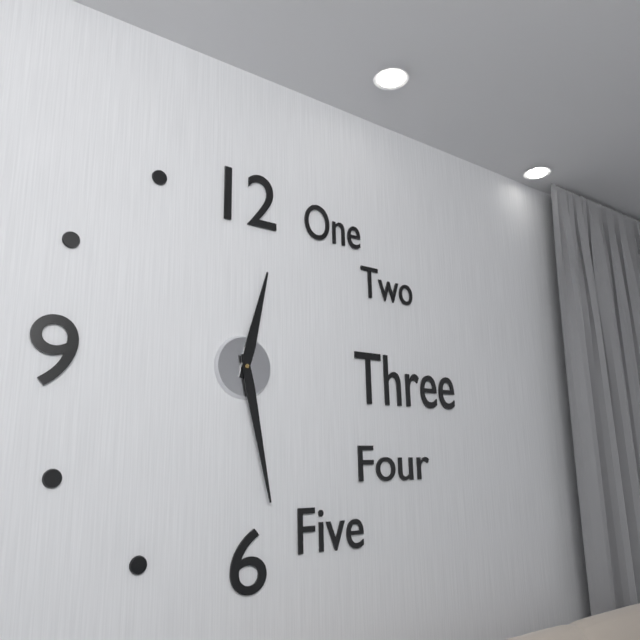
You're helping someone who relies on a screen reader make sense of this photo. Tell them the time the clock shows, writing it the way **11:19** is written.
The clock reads **12:28**
